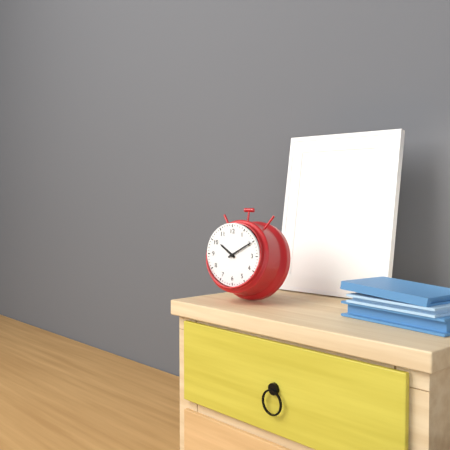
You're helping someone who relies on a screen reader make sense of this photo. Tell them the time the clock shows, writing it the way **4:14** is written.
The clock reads **10:10**
